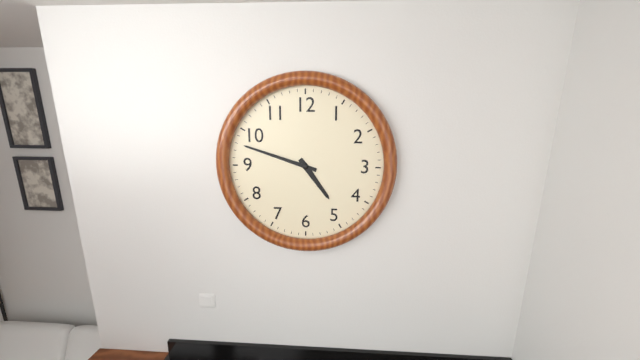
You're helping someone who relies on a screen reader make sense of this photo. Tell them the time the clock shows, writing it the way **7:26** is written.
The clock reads **4:48**
